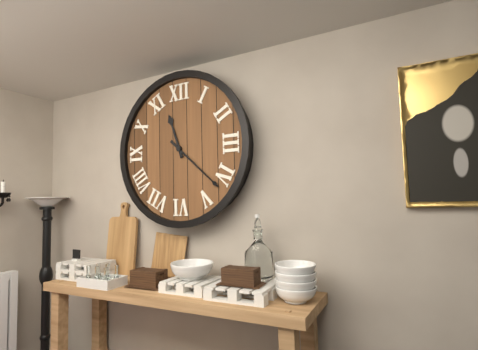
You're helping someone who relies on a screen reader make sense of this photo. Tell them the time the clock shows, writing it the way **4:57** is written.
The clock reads **11:22**
